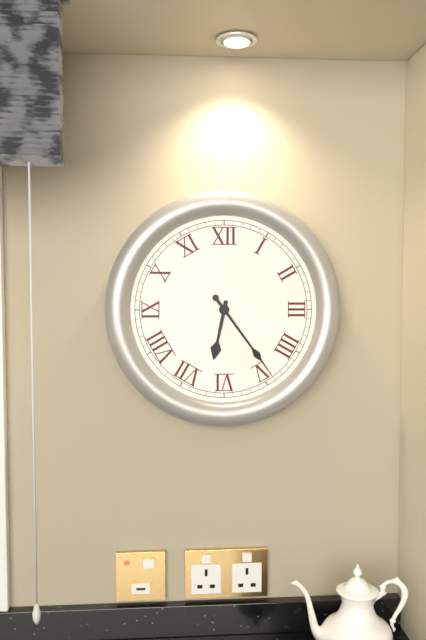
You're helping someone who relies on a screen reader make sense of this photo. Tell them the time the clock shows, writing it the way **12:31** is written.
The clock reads **6:24**
